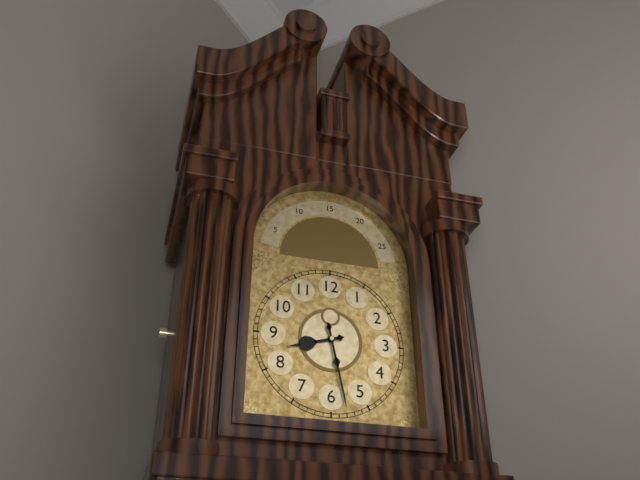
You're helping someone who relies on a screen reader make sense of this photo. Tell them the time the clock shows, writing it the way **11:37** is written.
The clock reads **8:28**
